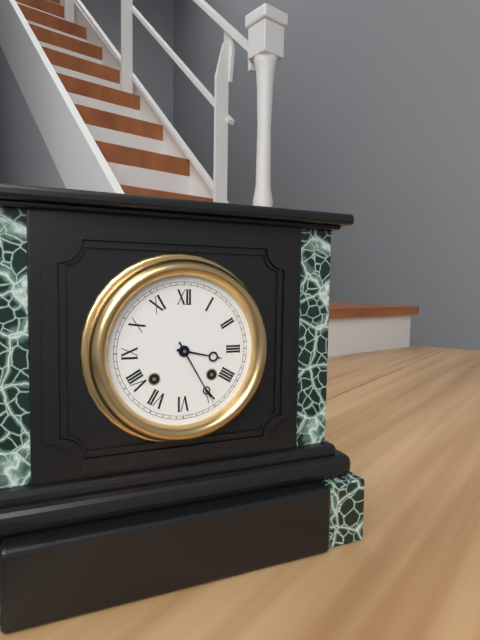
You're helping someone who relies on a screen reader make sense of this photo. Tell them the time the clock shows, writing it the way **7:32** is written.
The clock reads **3:25**
